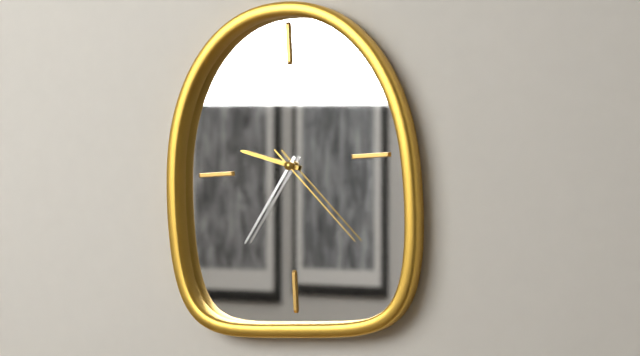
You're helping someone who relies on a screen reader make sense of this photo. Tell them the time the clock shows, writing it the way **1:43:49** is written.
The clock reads **9:36:23**
